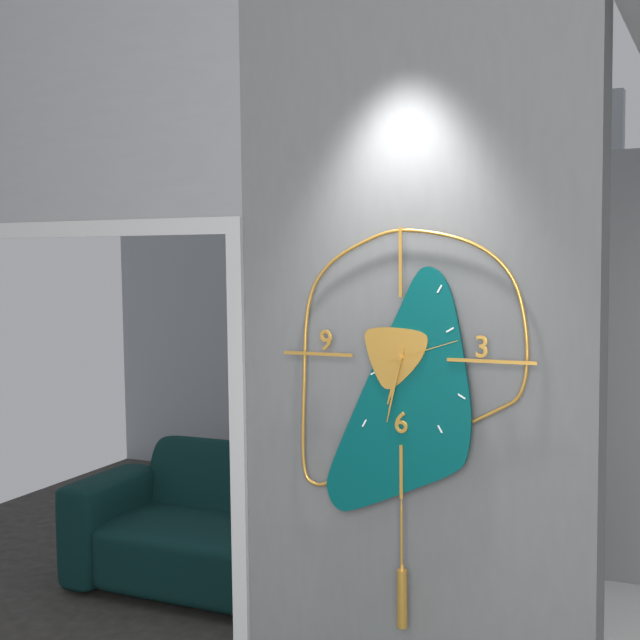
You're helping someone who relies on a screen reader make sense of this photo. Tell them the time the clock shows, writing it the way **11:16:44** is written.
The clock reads **6:32:12**
